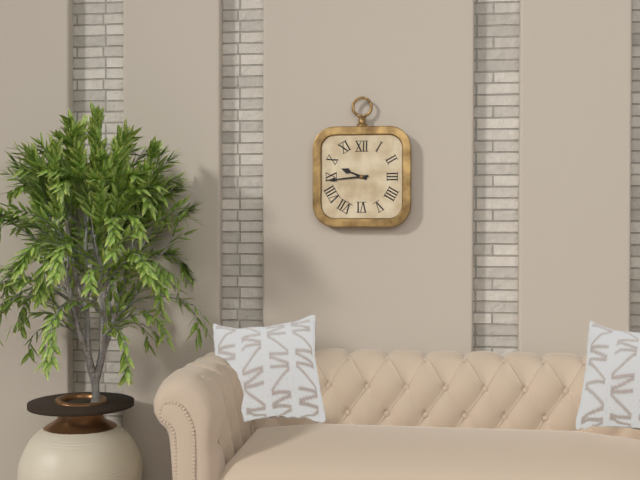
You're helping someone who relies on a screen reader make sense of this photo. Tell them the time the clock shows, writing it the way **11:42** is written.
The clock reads **9:44**
